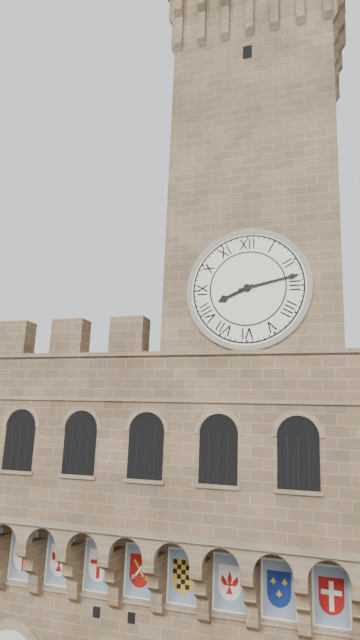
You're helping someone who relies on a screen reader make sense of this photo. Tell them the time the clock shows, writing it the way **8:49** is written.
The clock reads **8:13**
